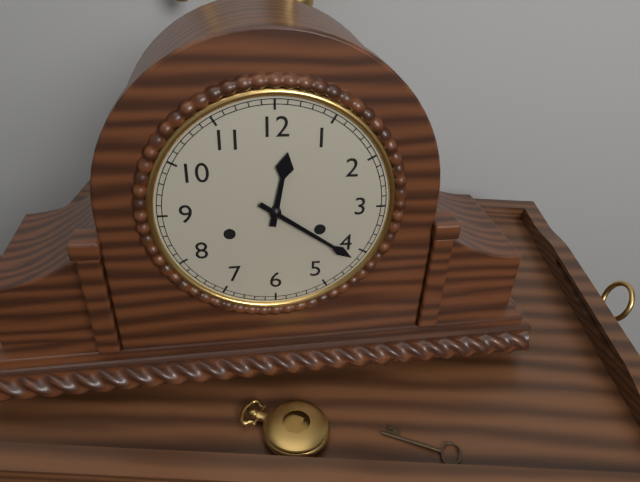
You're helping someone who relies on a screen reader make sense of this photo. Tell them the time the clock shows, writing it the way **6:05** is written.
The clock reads **12:21**
